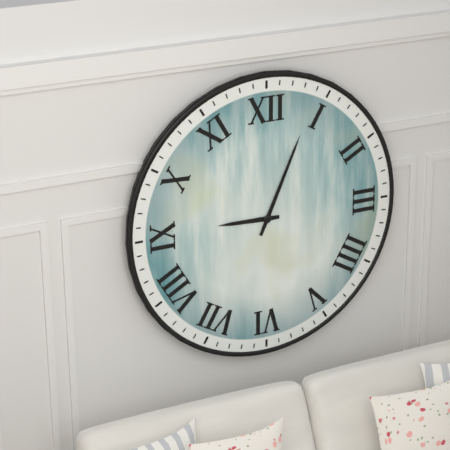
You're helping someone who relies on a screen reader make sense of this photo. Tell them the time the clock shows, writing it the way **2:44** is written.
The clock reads **9:04**
